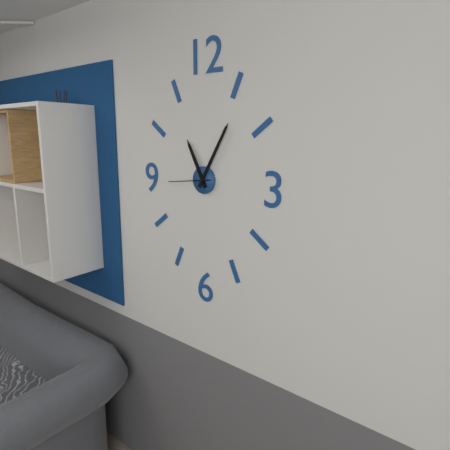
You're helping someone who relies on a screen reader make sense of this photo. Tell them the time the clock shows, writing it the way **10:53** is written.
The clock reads **11:05**
